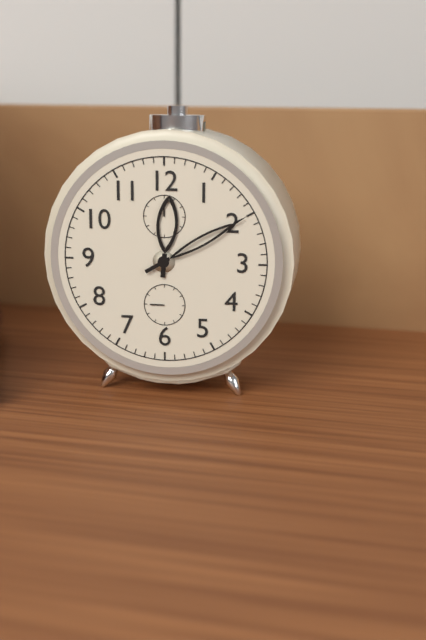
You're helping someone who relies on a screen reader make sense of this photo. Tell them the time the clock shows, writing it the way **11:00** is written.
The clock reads **12:10**
